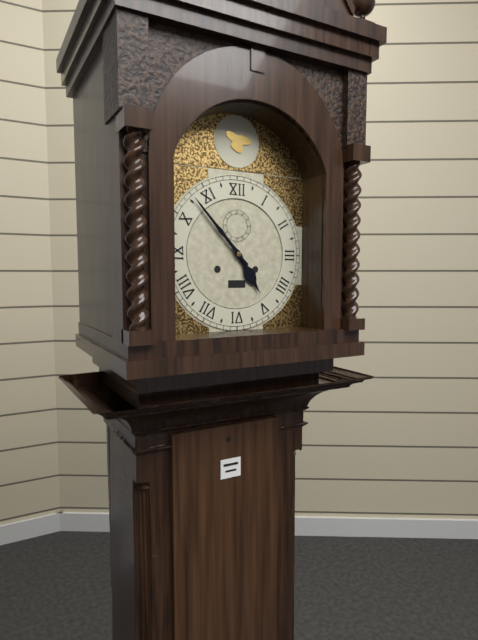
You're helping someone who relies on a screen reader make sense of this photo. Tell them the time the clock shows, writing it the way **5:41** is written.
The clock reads **4:53**
